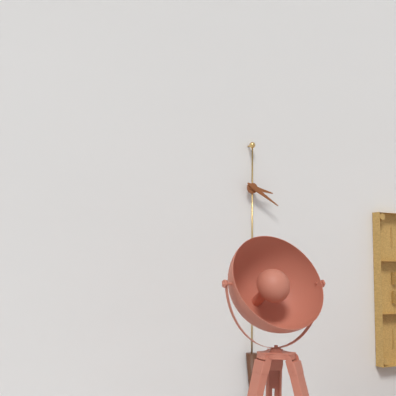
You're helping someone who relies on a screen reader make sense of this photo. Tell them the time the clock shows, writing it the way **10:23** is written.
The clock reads **3:20**
